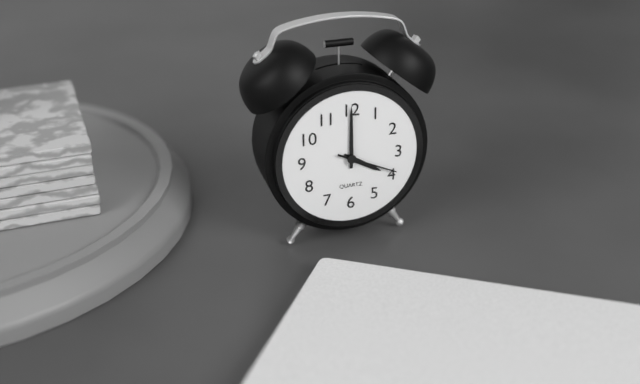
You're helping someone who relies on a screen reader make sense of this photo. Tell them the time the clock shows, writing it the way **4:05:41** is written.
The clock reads **4:00:19**
